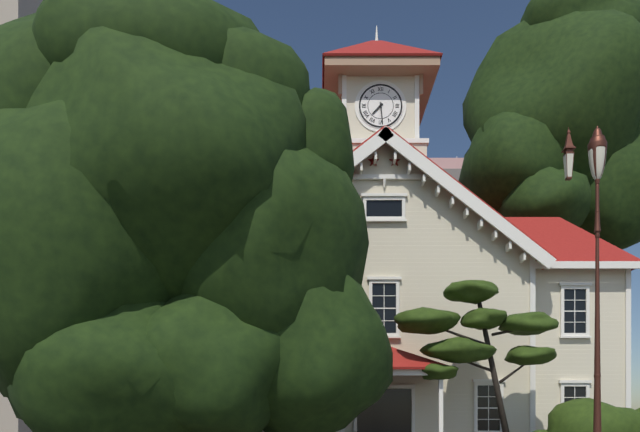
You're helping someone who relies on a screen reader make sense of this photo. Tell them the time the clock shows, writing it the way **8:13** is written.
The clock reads **7:29**
